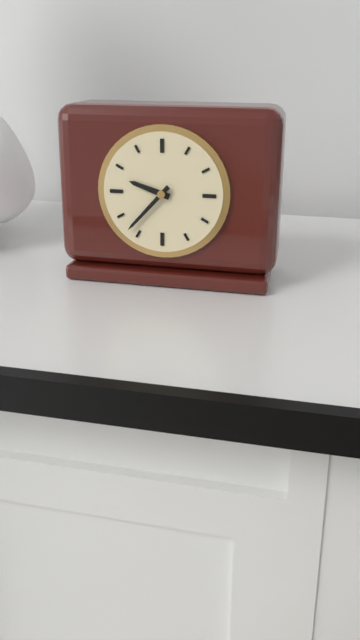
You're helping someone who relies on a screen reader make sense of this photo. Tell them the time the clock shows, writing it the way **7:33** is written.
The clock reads **9:37**
